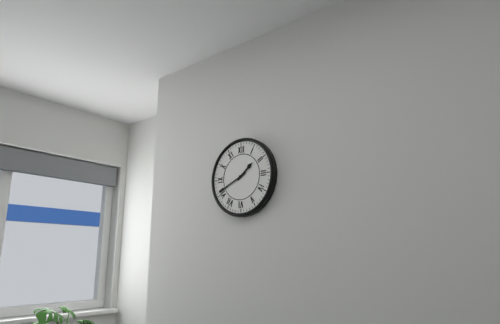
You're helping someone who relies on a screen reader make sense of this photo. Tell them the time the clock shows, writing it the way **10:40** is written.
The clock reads **1:41**
